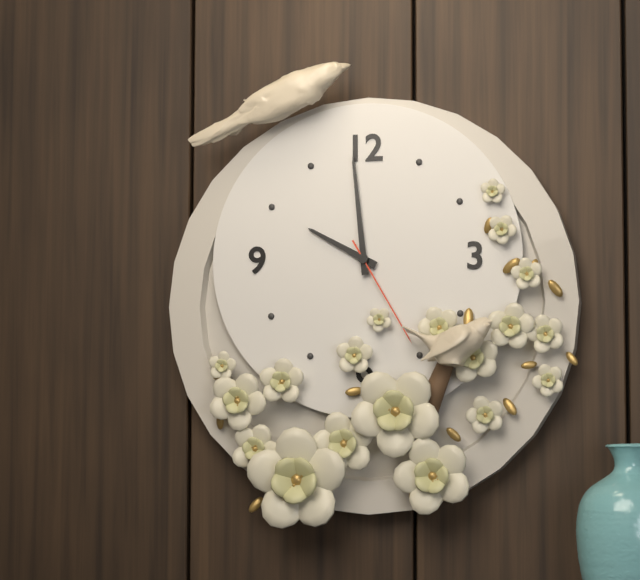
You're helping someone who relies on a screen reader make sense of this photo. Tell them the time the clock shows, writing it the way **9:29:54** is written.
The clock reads **9:59:25**
